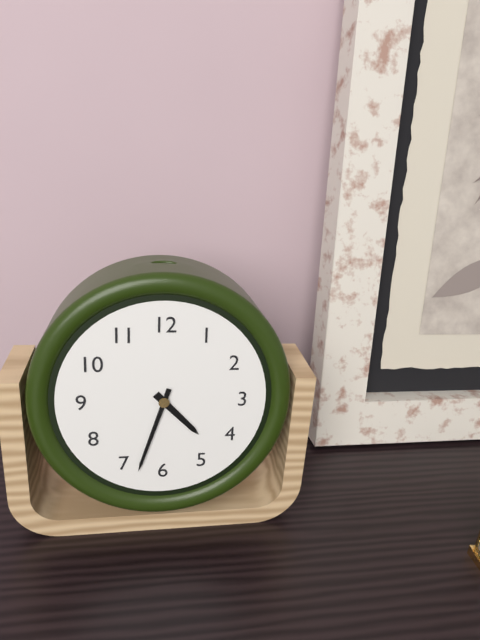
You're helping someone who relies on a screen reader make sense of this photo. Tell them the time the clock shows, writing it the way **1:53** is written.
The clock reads **4:33**
